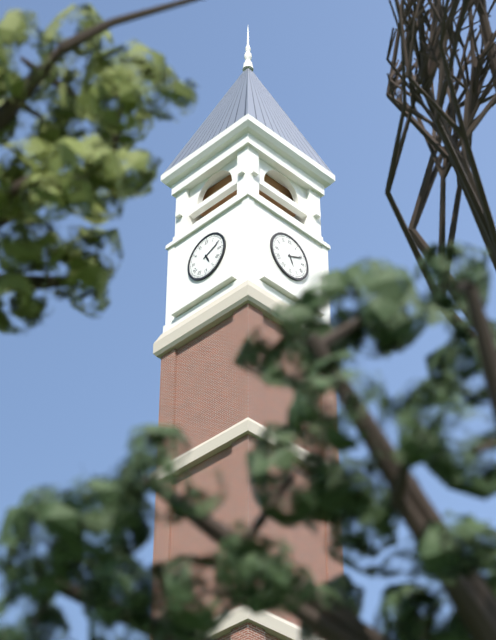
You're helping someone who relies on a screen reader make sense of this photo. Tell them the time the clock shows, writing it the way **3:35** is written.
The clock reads **5:11**
